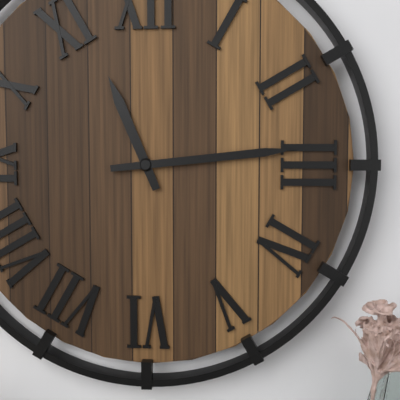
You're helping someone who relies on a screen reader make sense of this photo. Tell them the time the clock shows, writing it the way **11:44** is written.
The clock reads **11:14**
